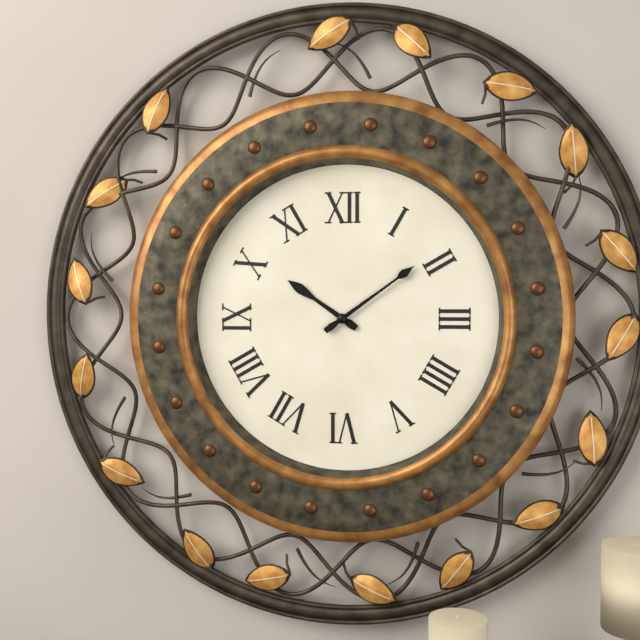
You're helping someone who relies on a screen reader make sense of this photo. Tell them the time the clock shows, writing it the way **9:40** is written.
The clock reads **10:09**
